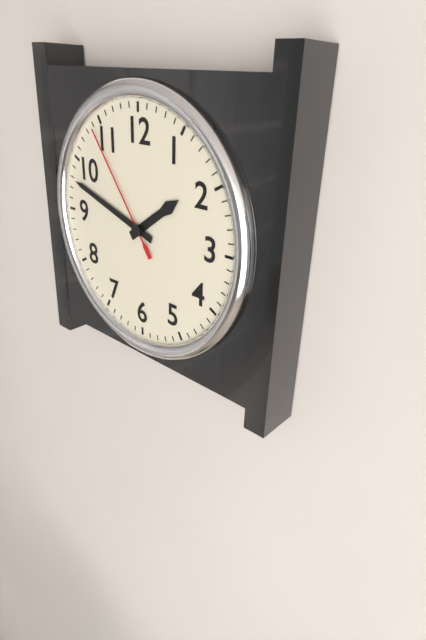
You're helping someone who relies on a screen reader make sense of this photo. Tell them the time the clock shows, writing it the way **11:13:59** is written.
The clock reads **1:48:54**
